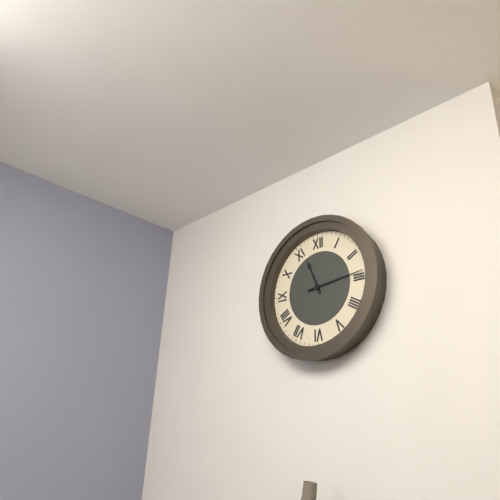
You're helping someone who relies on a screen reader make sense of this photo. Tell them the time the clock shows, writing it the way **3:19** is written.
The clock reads **11:14**
